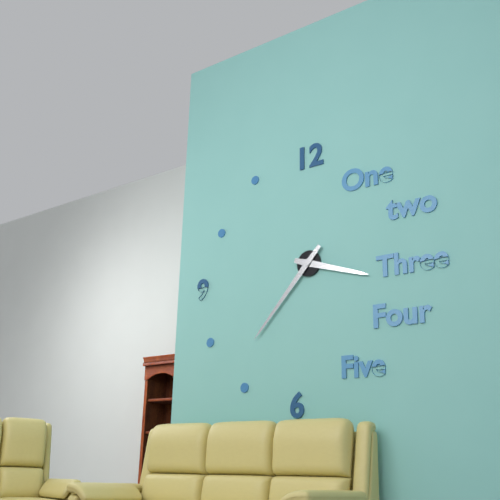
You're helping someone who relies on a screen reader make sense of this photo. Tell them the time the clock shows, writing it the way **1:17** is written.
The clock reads **3:37**
